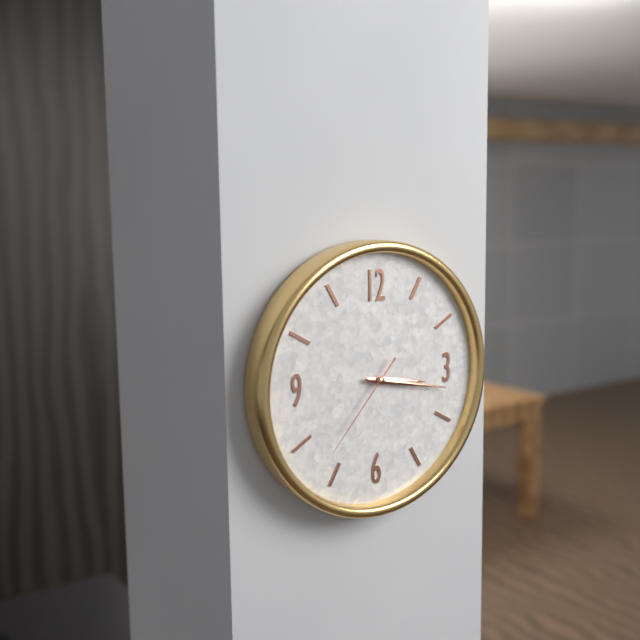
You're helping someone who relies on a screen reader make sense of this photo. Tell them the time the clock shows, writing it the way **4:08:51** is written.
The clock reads **3:17:37**
